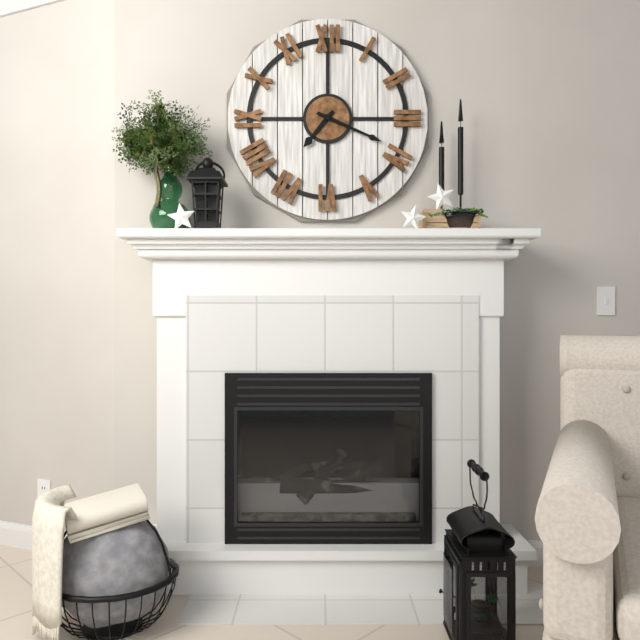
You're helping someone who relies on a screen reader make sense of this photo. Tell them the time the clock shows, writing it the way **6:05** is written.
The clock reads **7:19**
